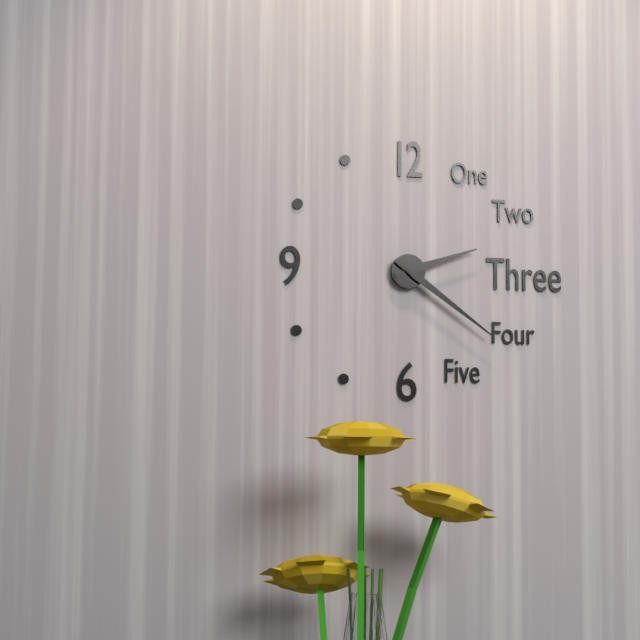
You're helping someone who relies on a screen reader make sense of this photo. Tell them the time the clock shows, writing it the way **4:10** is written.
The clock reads **2:21**
